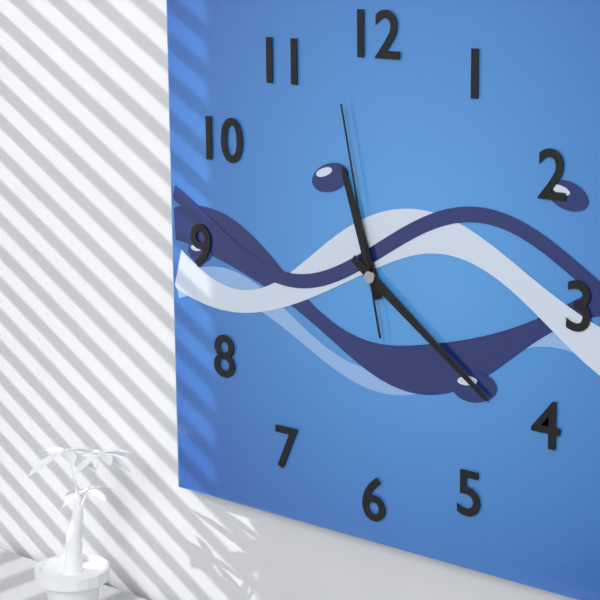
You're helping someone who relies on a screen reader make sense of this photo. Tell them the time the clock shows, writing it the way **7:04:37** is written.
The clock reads **11:21:58**
